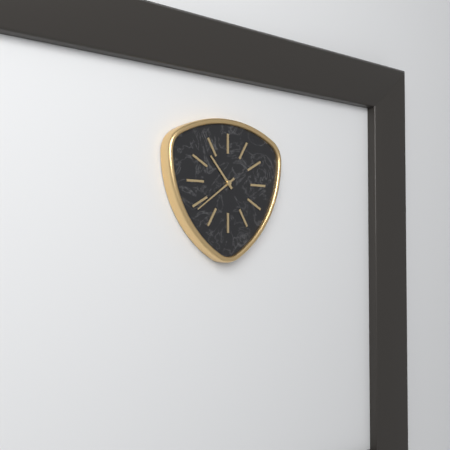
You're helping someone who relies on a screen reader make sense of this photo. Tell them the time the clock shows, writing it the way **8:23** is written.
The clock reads **10:39**
